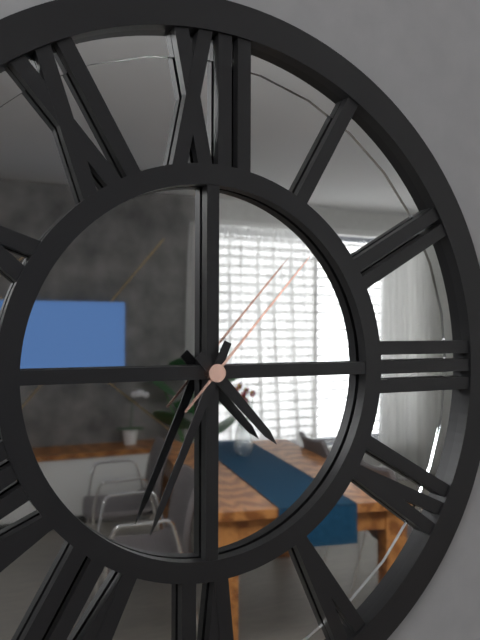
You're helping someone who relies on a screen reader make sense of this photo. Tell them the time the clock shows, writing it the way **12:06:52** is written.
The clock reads **4:34:07**
